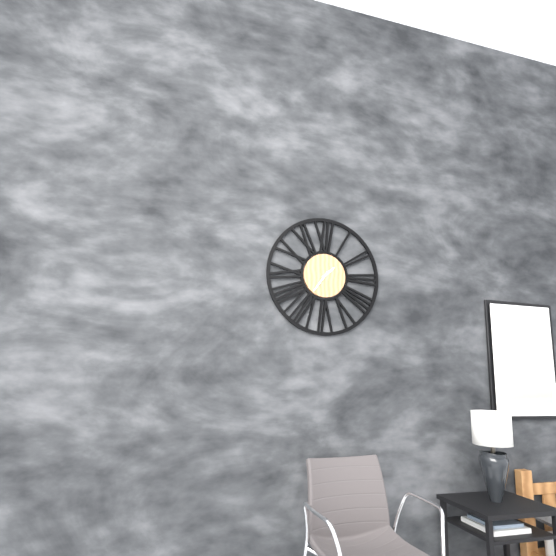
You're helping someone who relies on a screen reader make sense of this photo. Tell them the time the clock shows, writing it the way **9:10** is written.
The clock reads **1:36**
